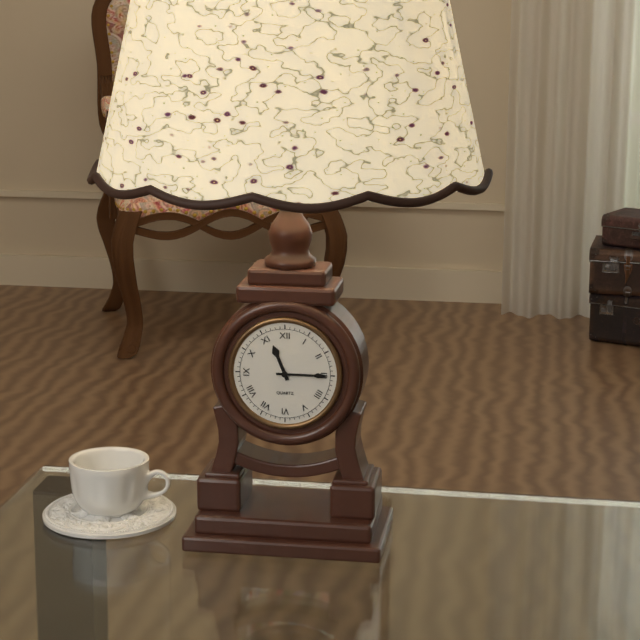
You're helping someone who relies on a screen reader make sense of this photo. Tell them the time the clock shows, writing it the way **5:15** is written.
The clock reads **11:15**
